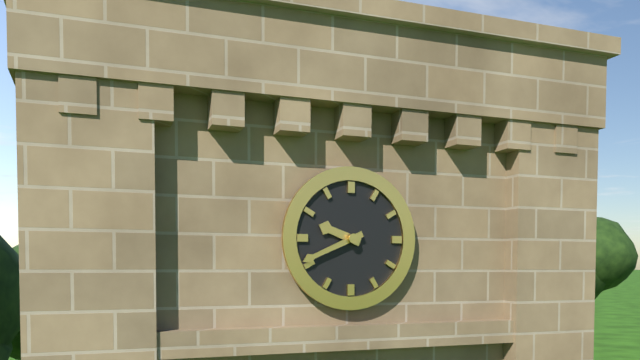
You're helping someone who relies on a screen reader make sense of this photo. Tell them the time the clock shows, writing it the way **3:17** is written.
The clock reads **9:41**
